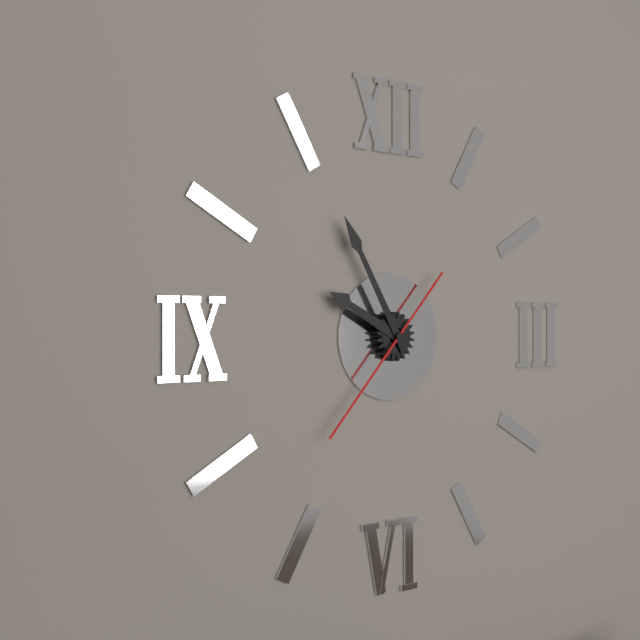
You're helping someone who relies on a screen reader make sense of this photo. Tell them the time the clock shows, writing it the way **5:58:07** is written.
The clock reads **9:55:37**
